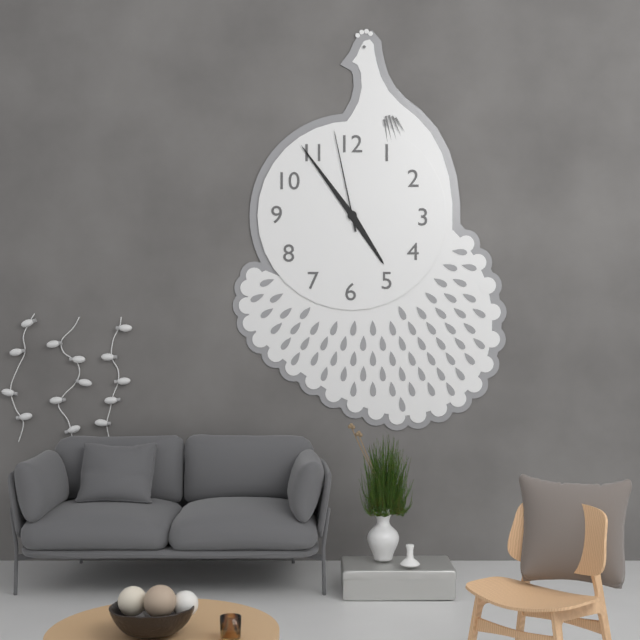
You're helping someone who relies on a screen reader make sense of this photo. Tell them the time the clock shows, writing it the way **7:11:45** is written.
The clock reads **4:54:58**
